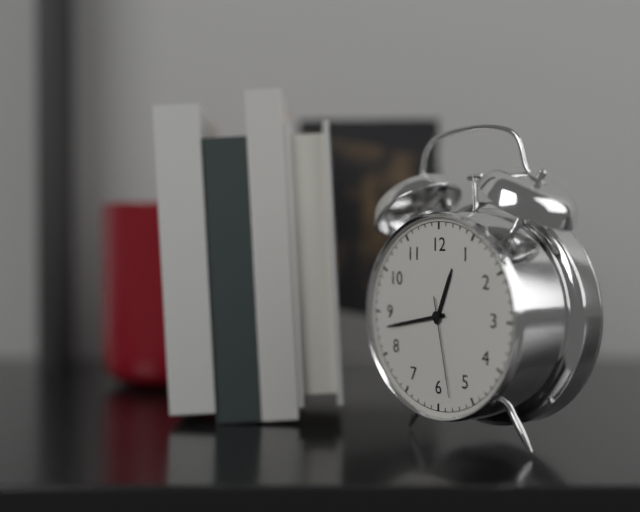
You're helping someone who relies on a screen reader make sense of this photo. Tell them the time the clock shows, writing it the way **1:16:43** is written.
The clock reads **12:43:28**
